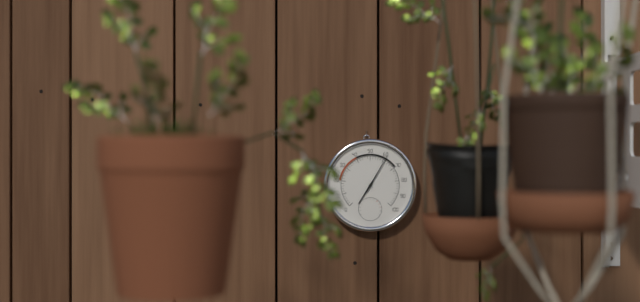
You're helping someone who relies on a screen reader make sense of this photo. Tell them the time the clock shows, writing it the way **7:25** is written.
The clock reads **7:05**
